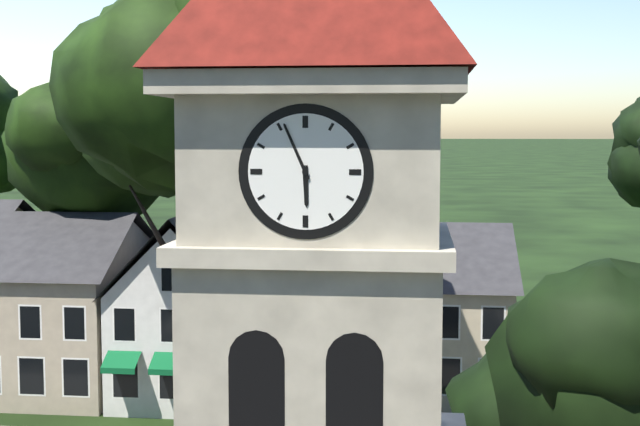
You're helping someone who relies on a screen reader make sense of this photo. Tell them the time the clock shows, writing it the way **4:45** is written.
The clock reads **5:56**
